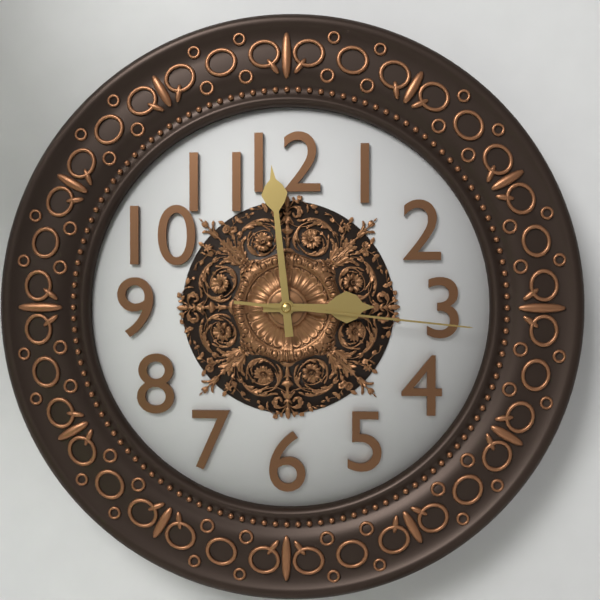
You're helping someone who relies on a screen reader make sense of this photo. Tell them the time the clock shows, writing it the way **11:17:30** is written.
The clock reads **2:59:16**
